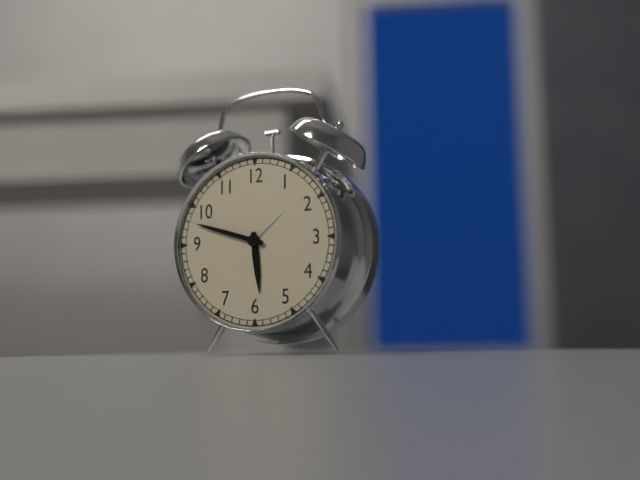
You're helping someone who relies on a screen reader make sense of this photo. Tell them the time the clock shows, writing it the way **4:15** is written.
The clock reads **5:48**
